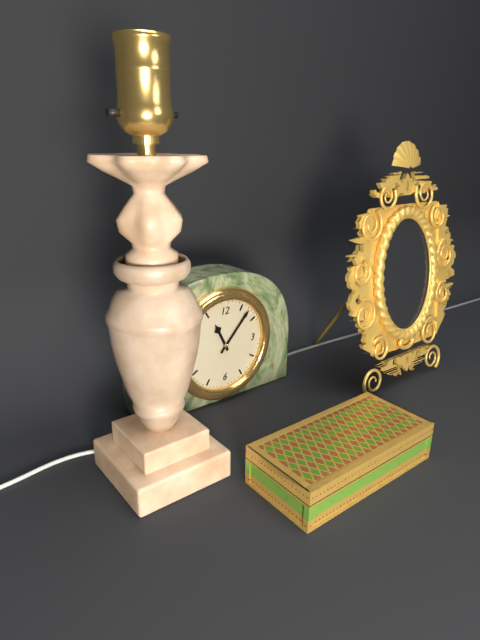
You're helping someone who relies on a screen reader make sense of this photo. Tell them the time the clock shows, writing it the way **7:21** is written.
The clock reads **11:07**
